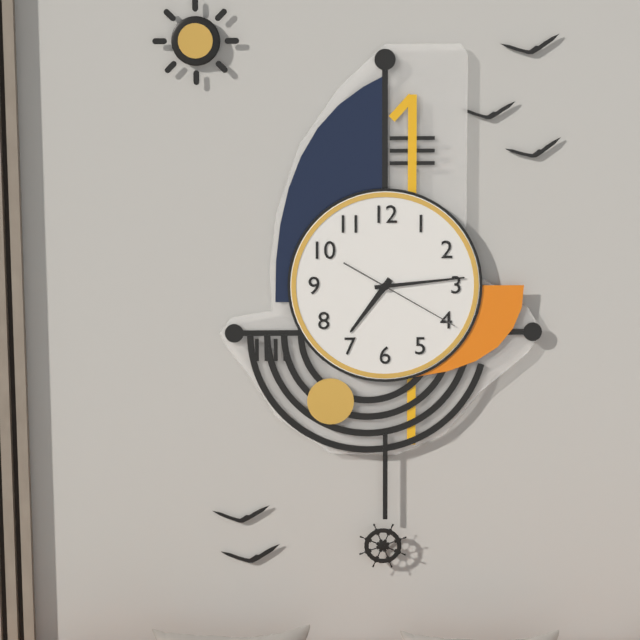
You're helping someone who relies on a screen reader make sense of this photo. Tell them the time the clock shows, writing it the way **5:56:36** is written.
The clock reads **7:14:20**
